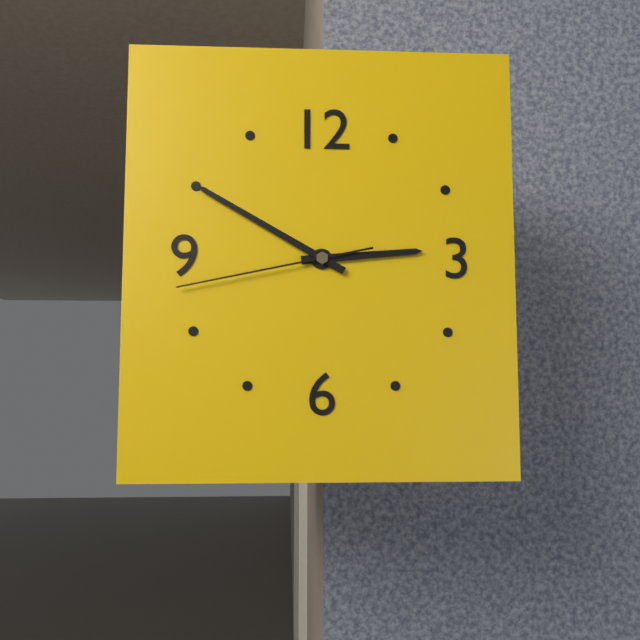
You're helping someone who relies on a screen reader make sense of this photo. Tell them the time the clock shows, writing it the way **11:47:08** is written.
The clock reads **2:50:43**
